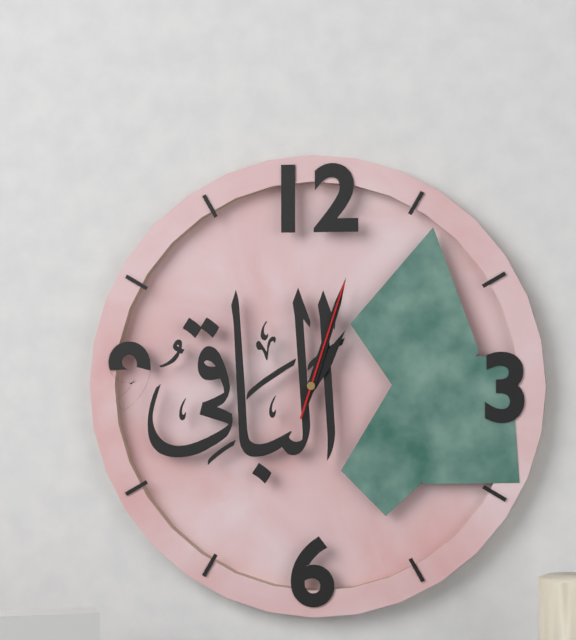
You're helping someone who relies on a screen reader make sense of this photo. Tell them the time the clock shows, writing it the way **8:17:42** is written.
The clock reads **1:03:03**
